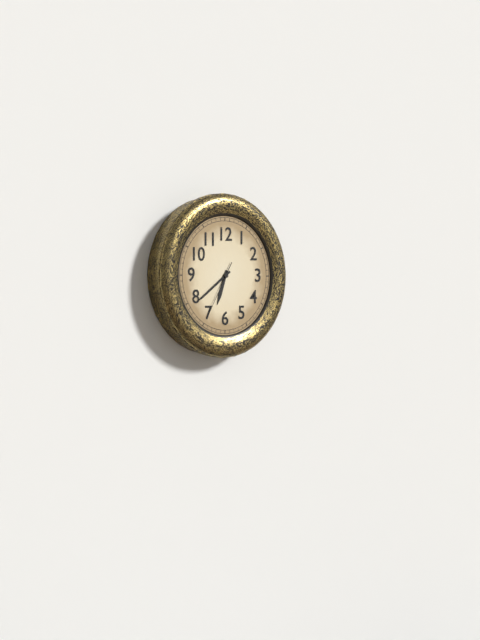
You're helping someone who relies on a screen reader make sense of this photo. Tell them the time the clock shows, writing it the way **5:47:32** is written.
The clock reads **6:39:35**
